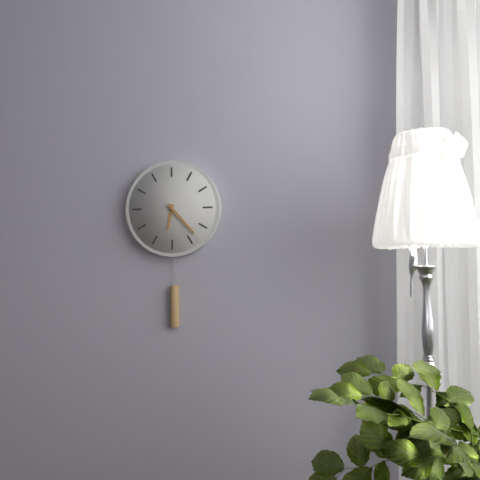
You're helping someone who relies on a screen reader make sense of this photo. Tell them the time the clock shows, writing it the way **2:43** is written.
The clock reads **6:23**
